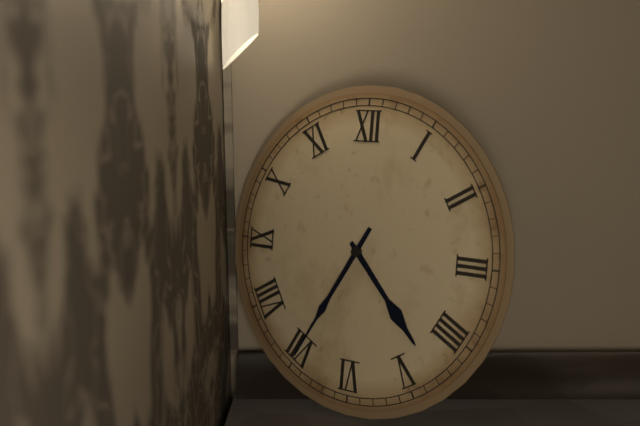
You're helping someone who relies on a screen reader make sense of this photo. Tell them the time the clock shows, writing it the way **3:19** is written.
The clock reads **4:35**
